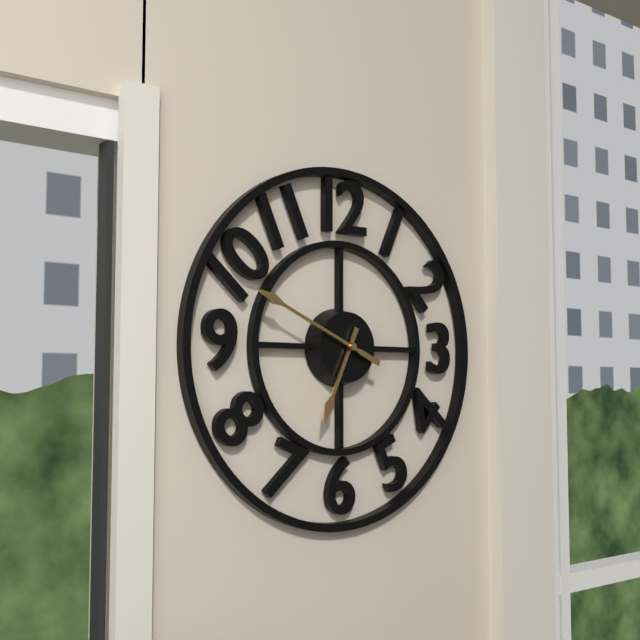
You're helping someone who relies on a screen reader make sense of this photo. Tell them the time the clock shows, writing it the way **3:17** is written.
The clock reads **6:49**
